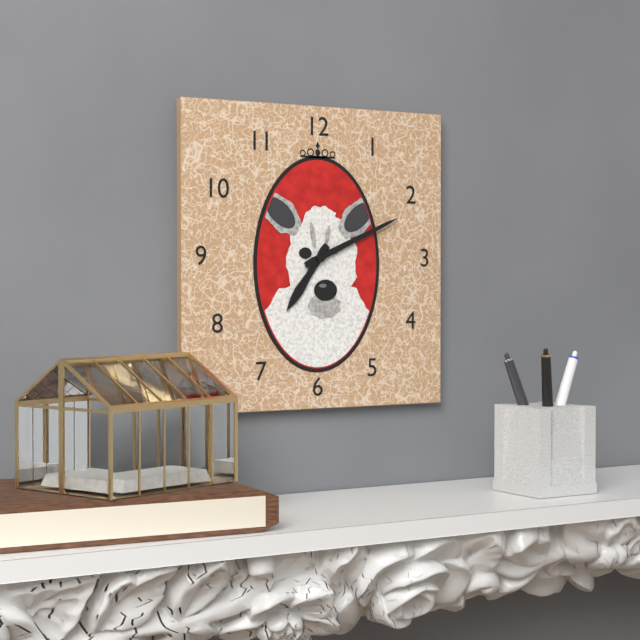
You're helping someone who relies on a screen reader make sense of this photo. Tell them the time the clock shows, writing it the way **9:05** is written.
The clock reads **7:11**
